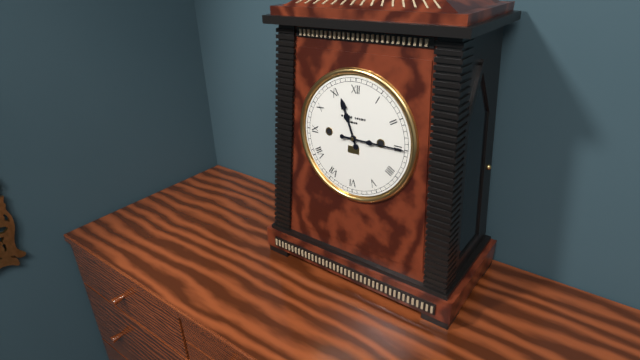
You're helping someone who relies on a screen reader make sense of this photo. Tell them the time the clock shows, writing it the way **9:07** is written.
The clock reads **11:15**
